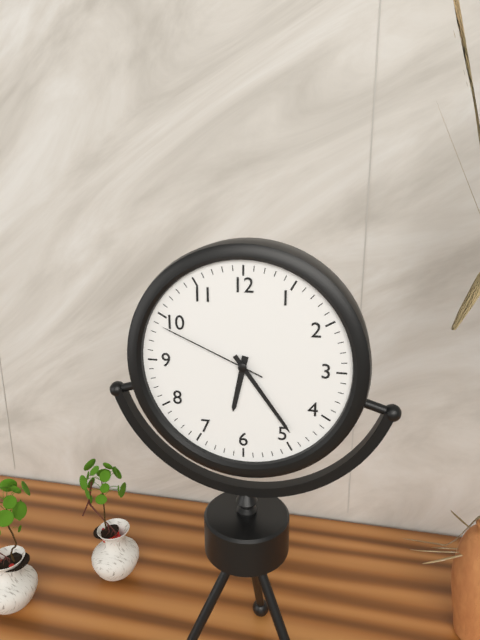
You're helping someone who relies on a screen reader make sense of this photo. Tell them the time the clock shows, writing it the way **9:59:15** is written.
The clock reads **6:24:49**
